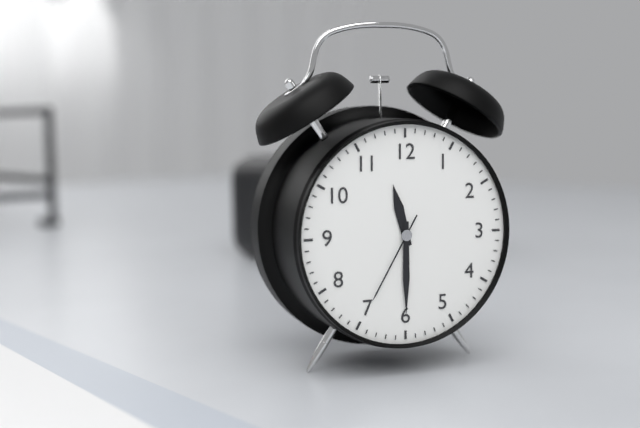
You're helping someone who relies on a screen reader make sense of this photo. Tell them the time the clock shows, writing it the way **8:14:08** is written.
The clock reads **11:30:35**
